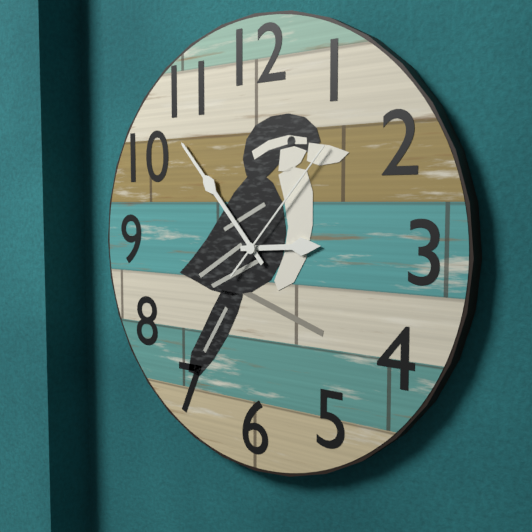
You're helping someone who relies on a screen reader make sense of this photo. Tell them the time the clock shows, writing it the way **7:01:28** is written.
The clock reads **2:53:07**
